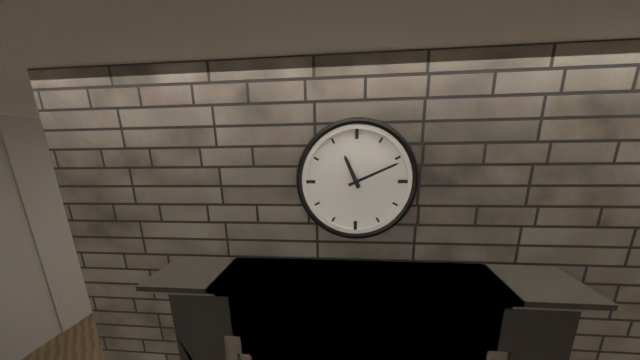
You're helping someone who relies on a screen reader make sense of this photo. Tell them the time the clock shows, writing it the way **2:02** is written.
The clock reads **11:11**
